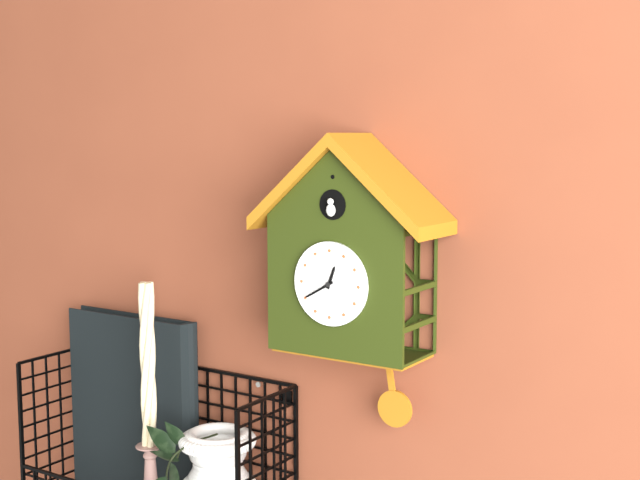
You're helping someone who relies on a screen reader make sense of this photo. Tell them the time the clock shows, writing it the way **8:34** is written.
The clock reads **12:40**
